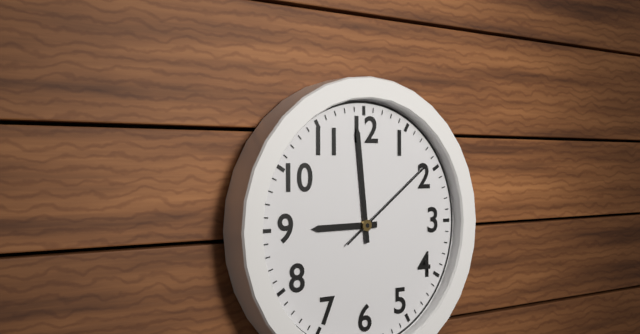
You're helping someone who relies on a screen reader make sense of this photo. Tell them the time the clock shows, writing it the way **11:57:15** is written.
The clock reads **8:59:09**
